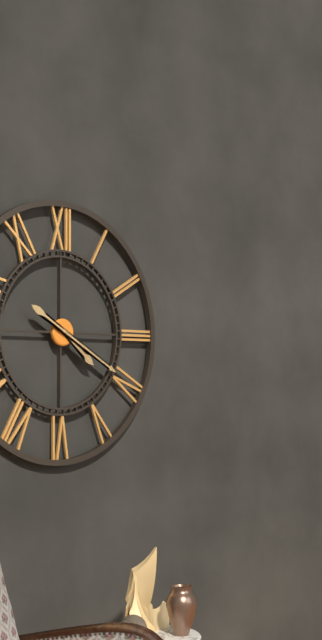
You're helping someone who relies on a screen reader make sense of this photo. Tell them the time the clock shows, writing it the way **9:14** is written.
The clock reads **4:20**
